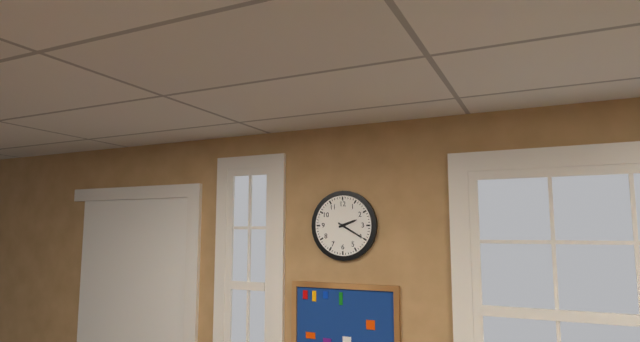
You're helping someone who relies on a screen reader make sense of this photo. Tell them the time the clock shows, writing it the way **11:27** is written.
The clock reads **2:20**
